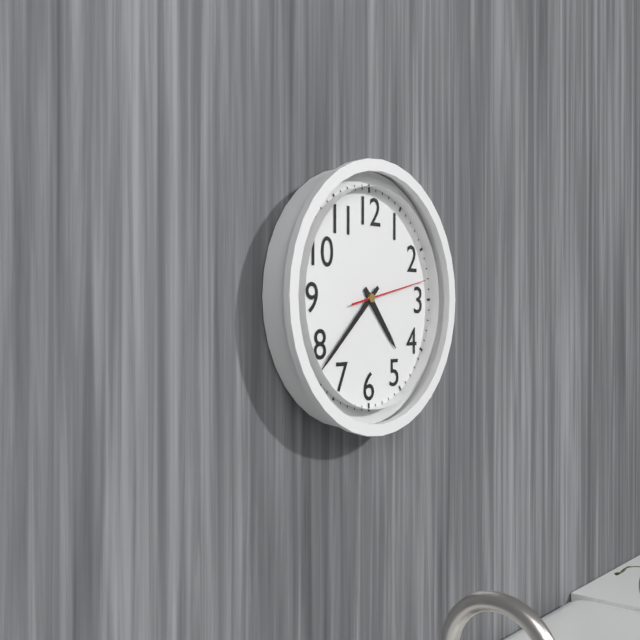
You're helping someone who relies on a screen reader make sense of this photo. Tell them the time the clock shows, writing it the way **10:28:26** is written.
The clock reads **4:38:13**
